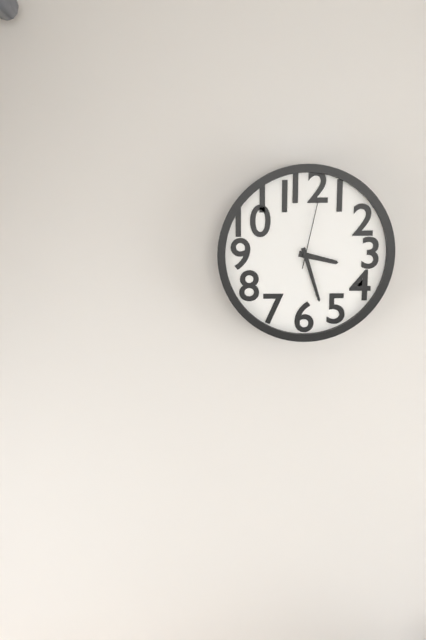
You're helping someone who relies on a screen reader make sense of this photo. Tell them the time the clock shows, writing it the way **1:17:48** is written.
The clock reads **3:27:02**
